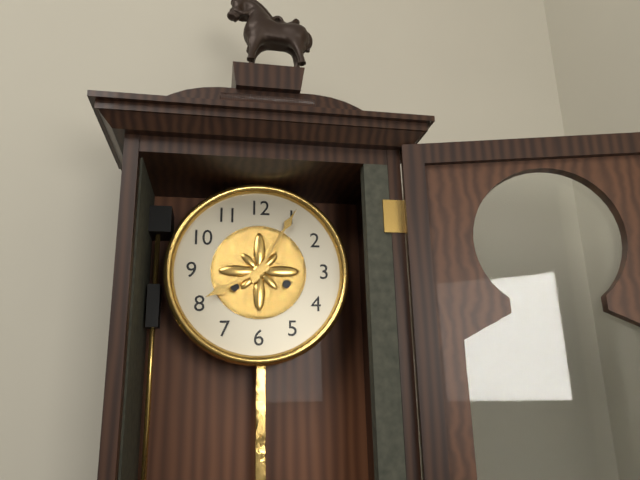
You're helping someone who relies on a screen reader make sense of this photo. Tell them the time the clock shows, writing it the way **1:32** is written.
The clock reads **8:05**
